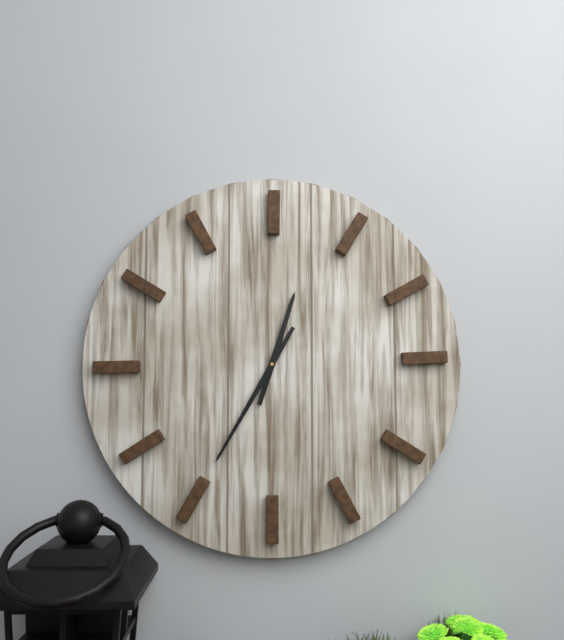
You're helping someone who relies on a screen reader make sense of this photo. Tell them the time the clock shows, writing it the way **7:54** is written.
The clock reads **12:35**
